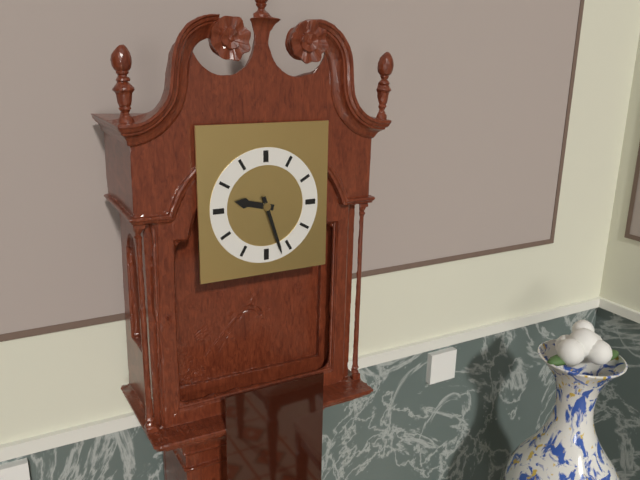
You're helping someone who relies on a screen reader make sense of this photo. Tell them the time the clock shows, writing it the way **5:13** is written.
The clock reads **9:27**
